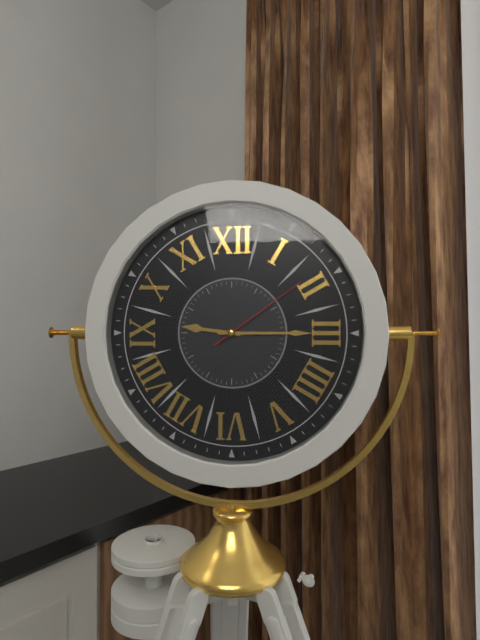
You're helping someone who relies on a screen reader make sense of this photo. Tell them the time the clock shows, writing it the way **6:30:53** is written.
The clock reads **9:15:09**
